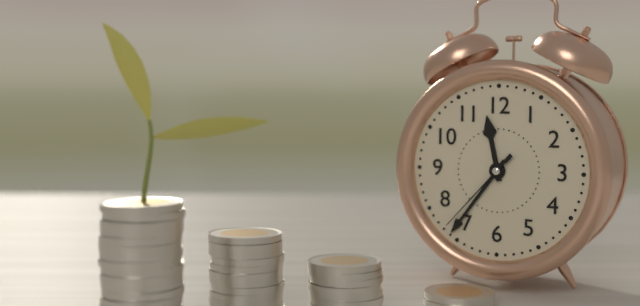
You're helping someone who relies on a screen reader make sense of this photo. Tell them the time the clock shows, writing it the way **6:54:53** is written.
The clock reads **11:36:37**
